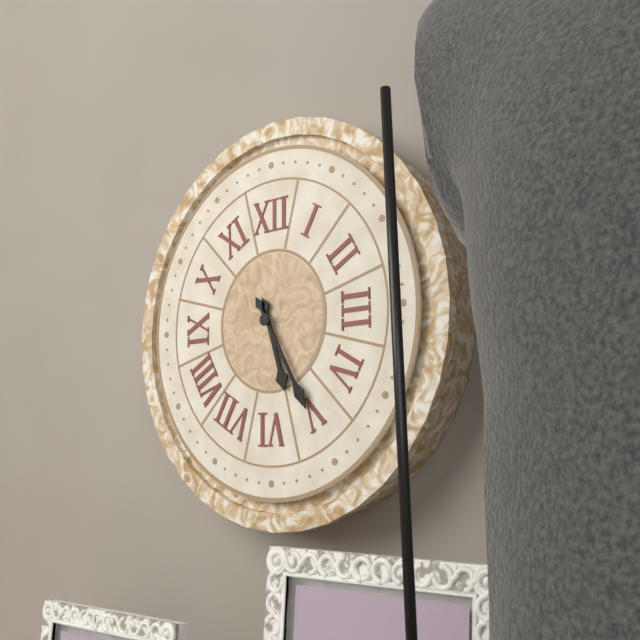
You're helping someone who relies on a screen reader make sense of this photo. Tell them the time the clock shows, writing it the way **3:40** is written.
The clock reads **5:25**
